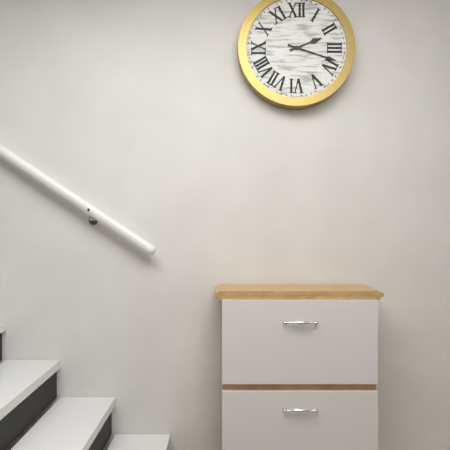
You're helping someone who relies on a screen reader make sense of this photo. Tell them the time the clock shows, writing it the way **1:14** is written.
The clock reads **2:18**
